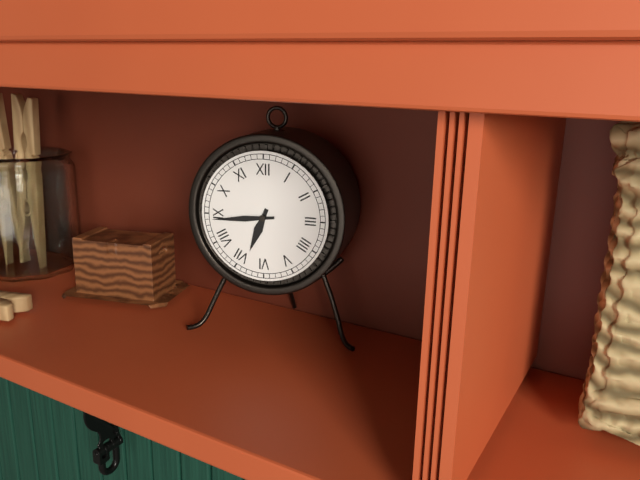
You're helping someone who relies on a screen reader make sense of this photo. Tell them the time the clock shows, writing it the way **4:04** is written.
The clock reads **6:44**
